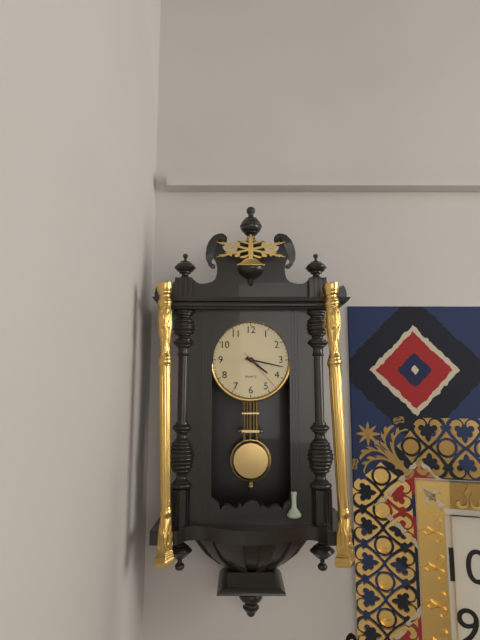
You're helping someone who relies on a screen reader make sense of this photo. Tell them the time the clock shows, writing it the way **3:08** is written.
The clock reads **4:17**
